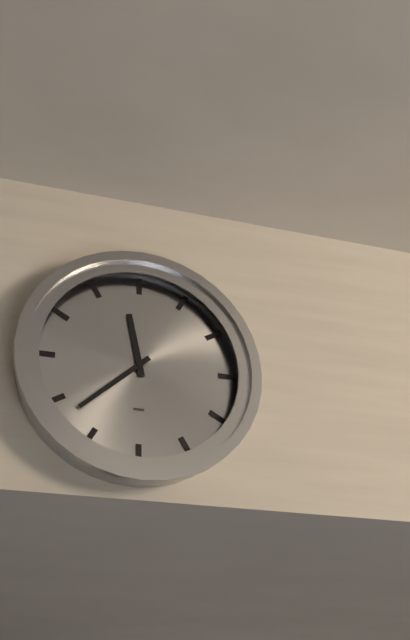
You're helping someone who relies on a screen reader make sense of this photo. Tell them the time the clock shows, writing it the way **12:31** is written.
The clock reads **11:38**
